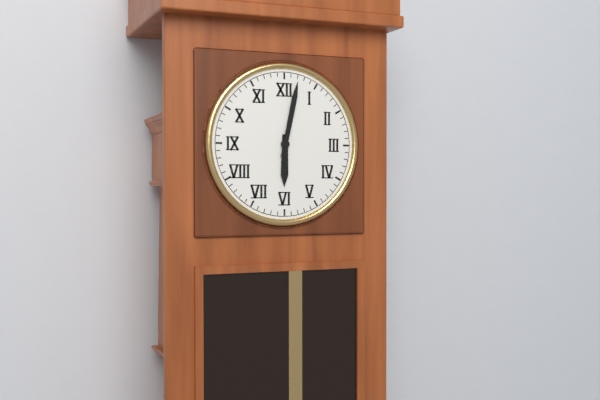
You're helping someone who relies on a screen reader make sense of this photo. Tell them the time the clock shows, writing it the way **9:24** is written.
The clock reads **6:02**
